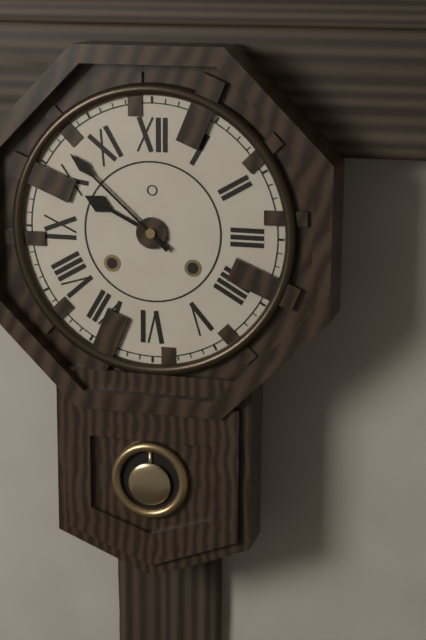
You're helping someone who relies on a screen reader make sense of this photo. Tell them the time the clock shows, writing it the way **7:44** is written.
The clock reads **9:52**
